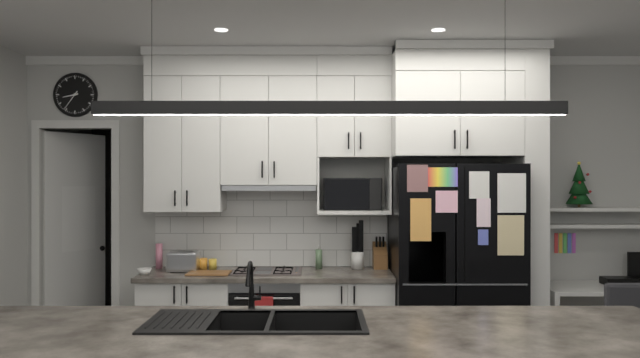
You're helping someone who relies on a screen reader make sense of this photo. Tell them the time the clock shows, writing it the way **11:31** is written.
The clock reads **8:36**
